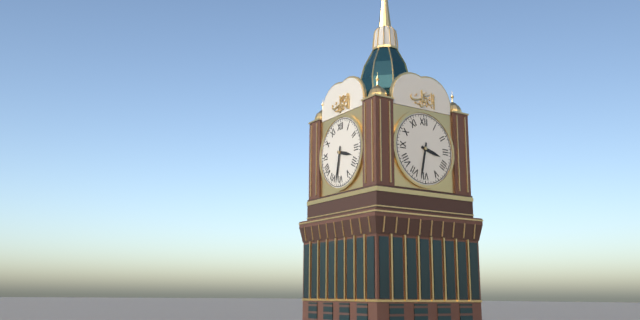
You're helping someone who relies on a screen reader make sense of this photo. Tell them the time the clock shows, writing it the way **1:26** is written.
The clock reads **3:32**
